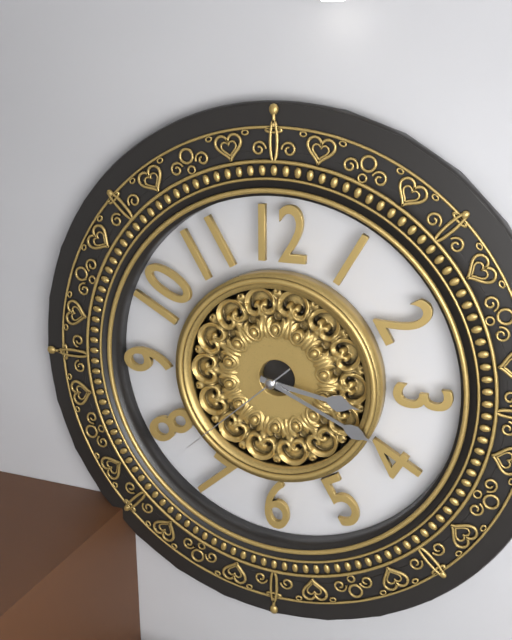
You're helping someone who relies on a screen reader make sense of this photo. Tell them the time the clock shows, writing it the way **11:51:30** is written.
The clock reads **3:19:38**
